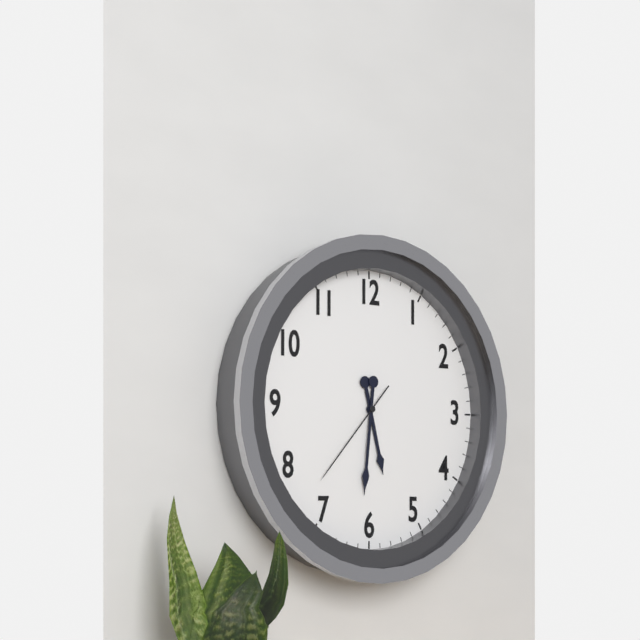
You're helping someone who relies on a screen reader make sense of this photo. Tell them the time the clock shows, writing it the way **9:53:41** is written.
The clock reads **5:31:37**
